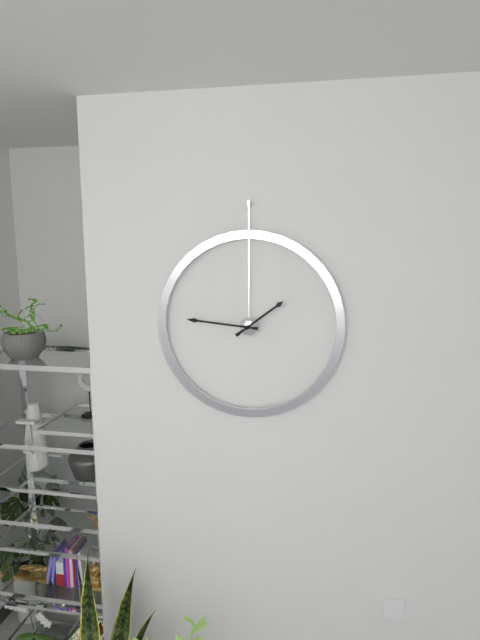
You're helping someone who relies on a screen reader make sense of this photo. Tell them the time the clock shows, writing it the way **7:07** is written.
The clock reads **1:46**
